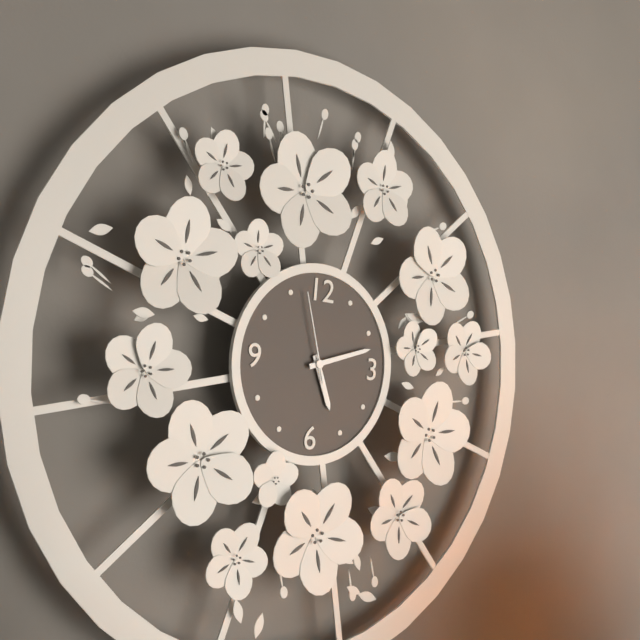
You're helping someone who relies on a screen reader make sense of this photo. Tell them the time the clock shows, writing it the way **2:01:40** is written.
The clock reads **5:12:57**
